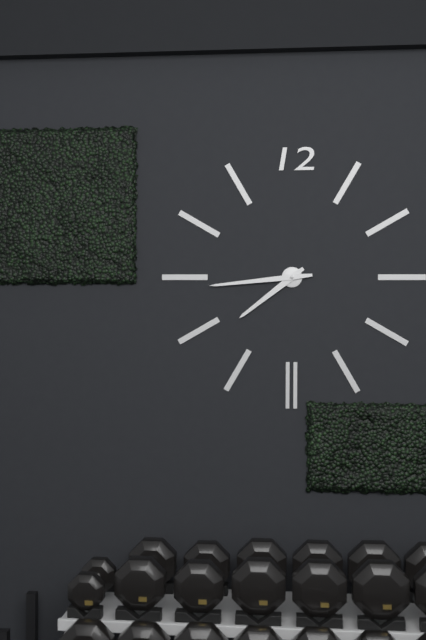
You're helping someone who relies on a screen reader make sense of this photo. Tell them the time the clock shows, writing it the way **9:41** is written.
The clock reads **7:44**
